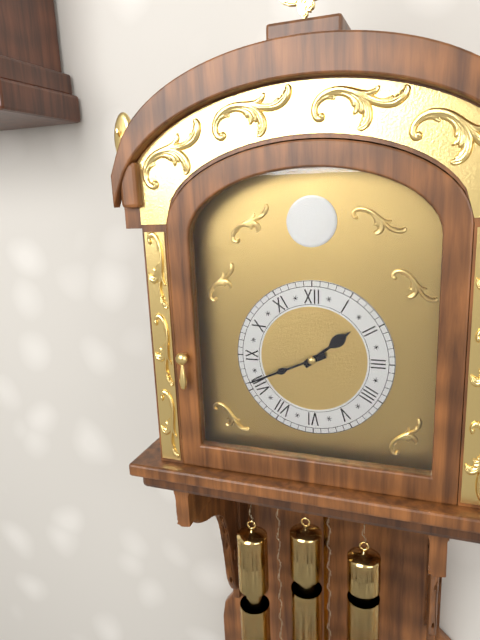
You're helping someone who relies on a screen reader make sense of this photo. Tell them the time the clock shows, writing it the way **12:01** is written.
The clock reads **1:41**
